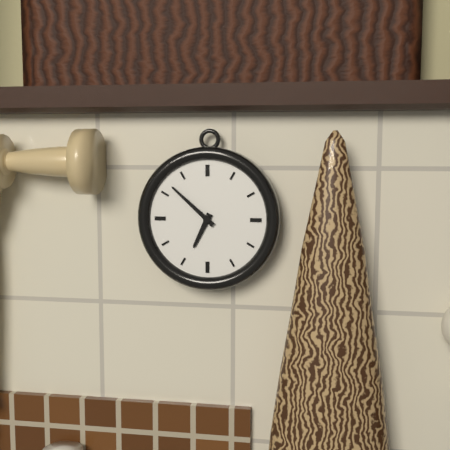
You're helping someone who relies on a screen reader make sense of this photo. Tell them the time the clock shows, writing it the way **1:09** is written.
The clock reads **6:52**
